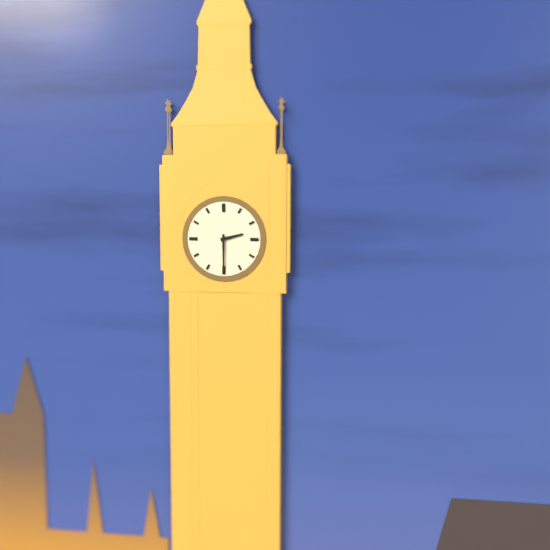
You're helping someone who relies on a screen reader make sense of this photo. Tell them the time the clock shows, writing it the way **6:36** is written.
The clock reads **2:30**
